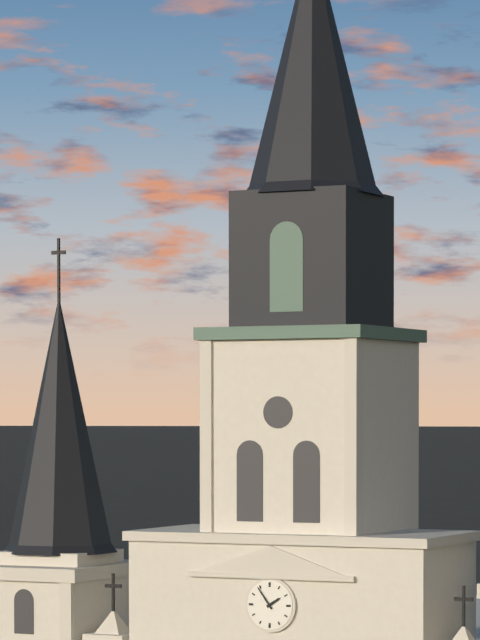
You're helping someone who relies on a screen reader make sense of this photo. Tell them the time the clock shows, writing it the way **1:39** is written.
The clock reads **1:54**
